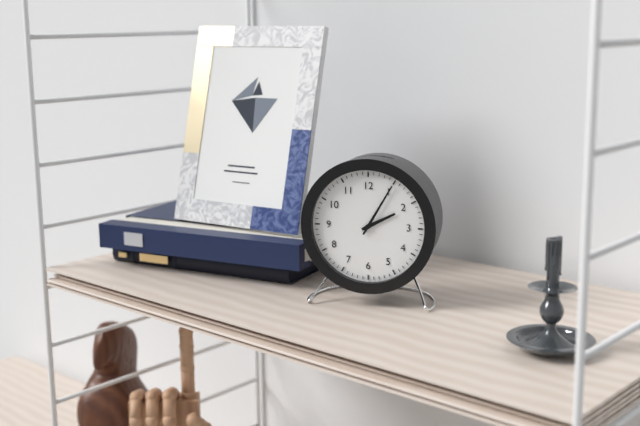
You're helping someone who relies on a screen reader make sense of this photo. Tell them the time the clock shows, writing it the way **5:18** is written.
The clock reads **2:05**
